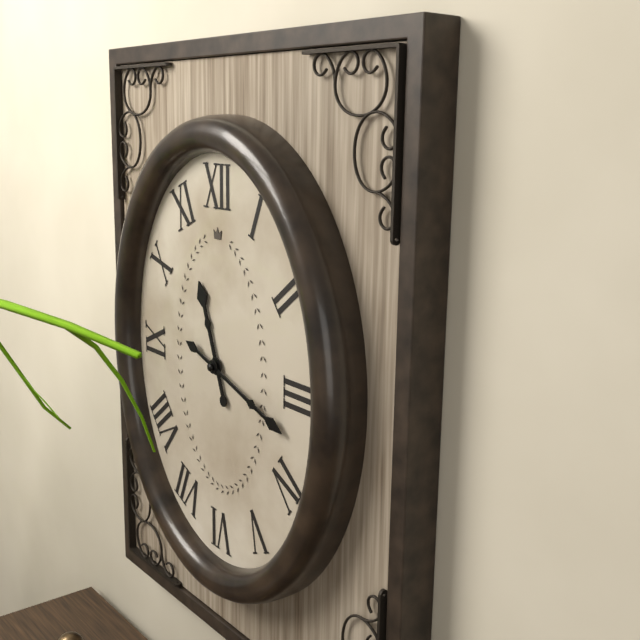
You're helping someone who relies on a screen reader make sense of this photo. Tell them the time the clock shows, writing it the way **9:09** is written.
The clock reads **11:18**
